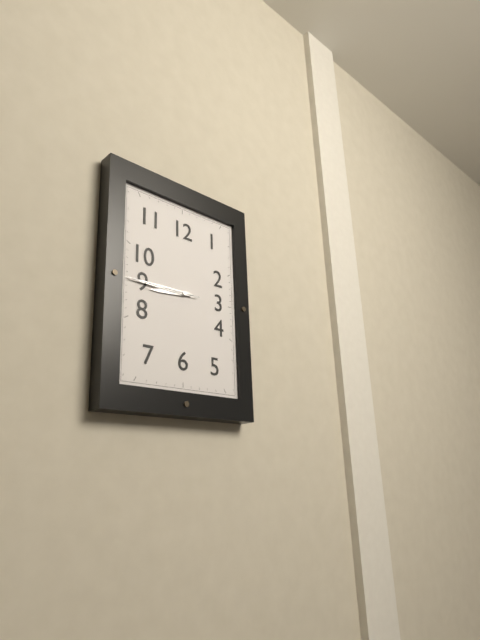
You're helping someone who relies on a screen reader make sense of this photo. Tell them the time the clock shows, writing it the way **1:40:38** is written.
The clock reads **8:45:45**
